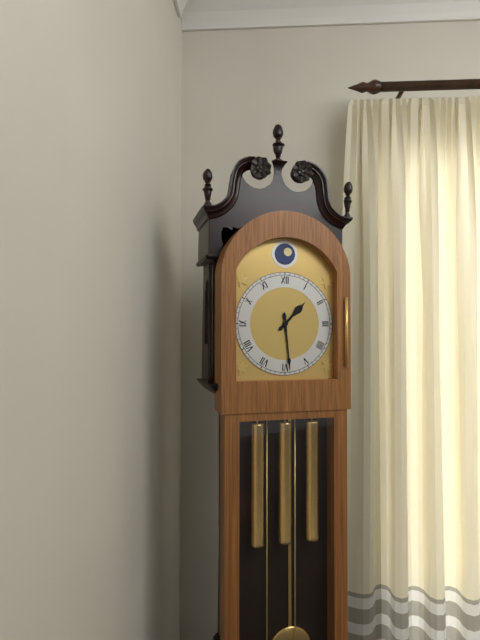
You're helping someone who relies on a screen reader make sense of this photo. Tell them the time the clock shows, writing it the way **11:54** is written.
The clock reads **1:29**
